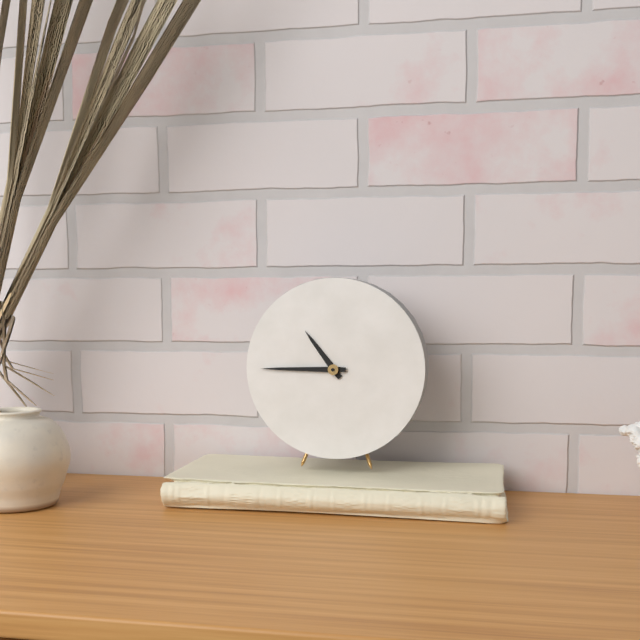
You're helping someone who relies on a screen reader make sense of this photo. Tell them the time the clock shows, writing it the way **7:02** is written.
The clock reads **10:45**
